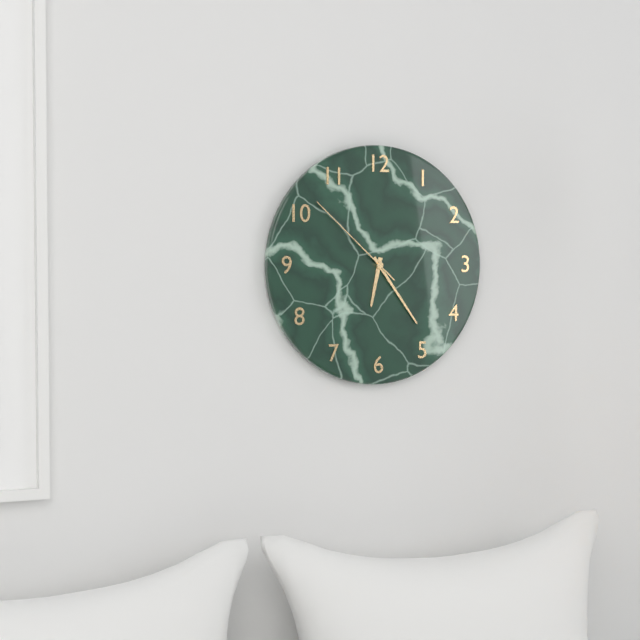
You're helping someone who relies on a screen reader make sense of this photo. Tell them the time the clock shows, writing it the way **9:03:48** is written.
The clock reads **6:24:52**
